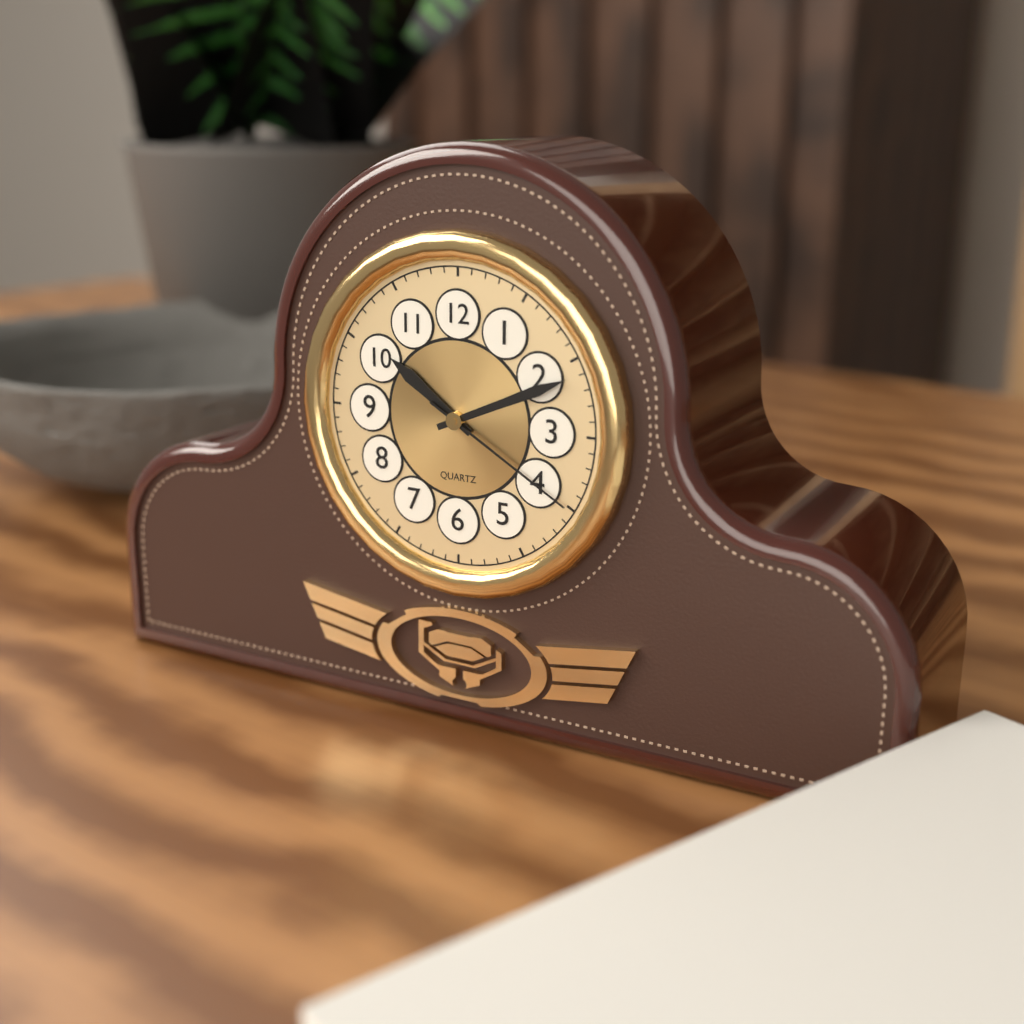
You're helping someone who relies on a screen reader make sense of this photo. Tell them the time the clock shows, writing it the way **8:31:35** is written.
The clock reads **10:11:20**
